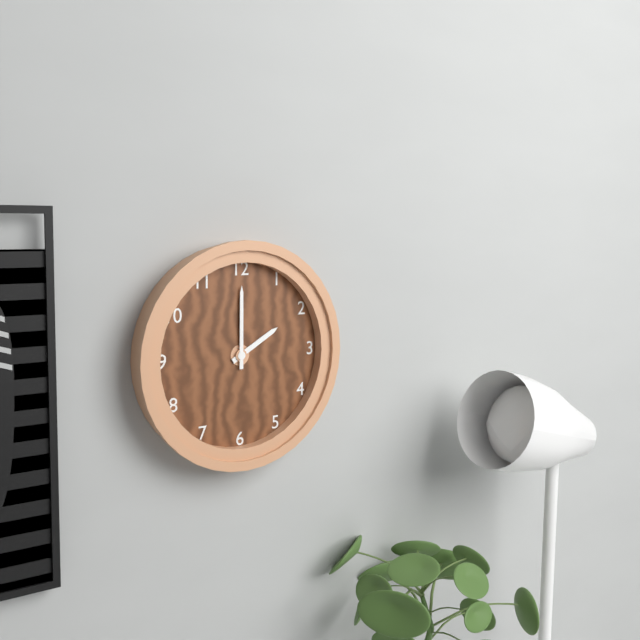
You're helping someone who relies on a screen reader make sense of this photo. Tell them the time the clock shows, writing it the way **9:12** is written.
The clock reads **2:00**
